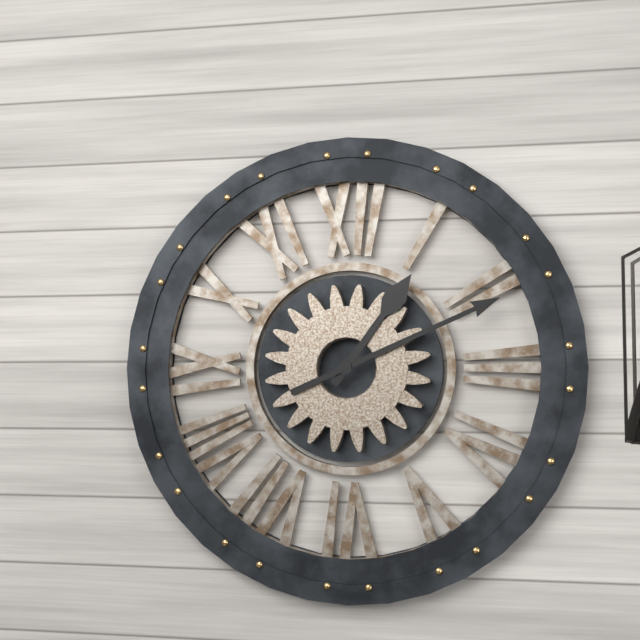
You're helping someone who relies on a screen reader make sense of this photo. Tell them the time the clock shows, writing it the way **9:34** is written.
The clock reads **1:11**
